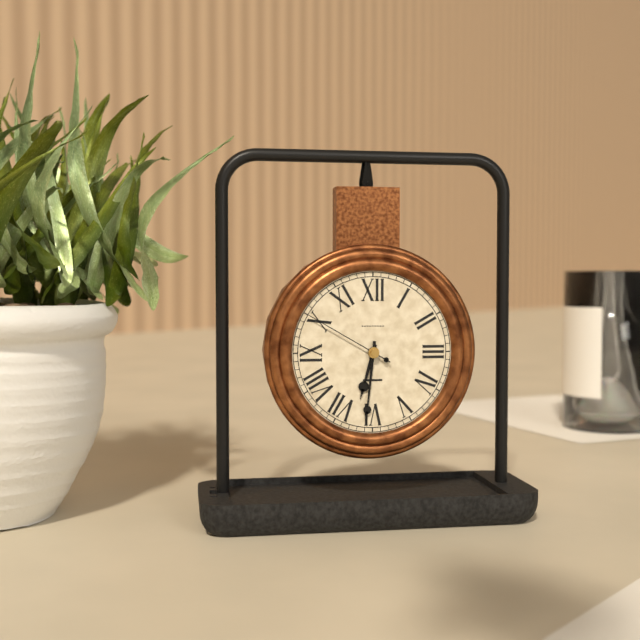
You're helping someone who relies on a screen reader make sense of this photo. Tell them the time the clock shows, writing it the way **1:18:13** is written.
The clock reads **6:31:50**
